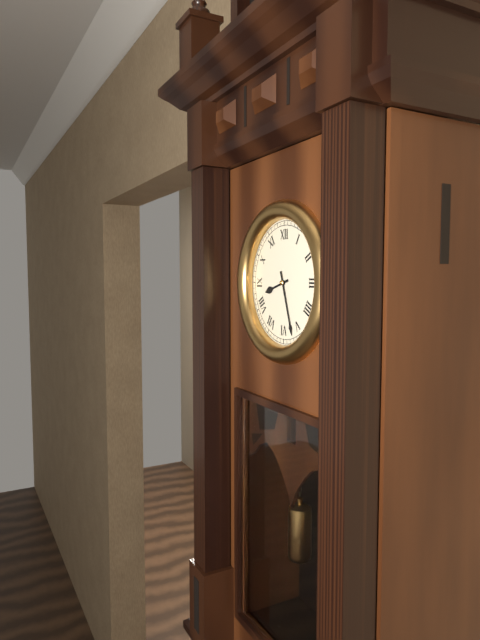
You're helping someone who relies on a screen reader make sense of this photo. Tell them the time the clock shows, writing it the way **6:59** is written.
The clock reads **8:27**
